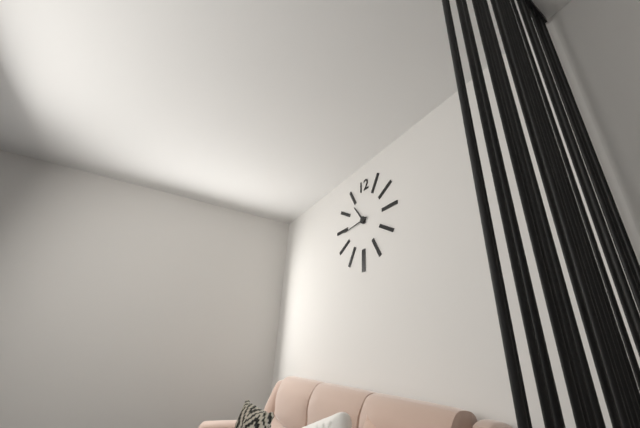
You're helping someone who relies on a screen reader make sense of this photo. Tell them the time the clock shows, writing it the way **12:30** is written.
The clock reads **10:44**
